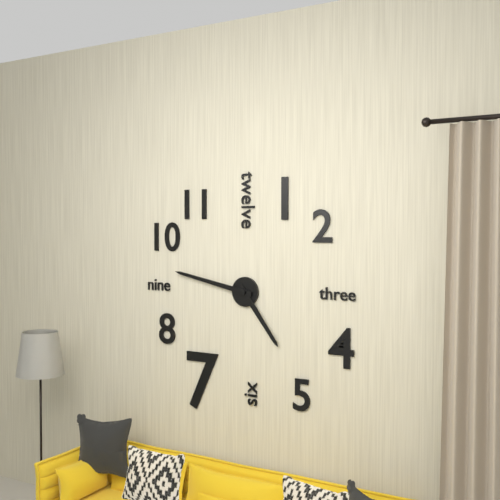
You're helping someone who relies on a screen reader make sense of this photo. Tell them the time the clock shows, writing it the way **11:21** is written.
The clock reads **4:47**
